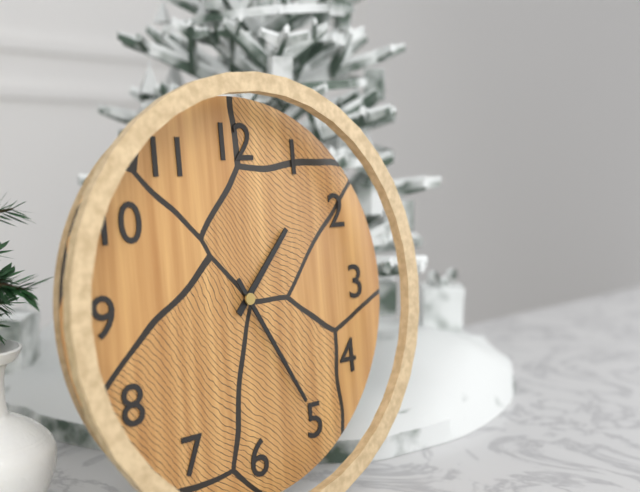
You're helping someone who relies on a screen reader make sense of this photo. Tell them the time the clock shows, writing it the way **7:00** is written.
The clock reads **1:25**
